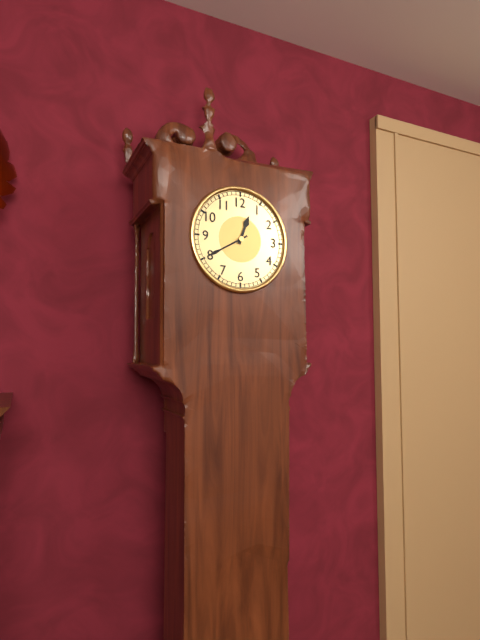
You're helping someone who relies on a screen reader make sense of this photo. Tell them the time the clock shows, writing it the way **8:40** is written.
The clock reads **12:40**
